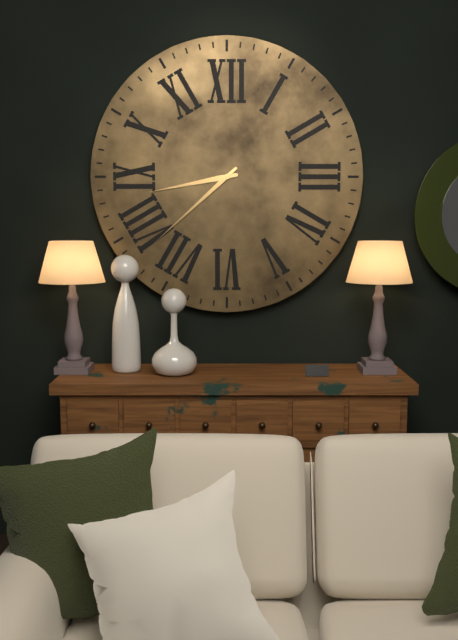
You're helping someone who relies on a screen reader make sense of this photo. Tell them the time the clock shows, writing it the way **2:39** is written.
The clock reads **8:38**
